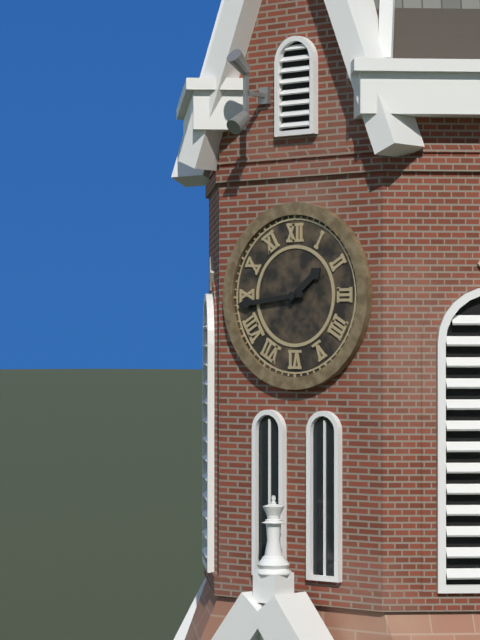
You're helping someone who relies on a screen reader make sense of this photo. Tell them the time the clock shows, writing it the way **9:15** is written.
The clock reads **1:44**
